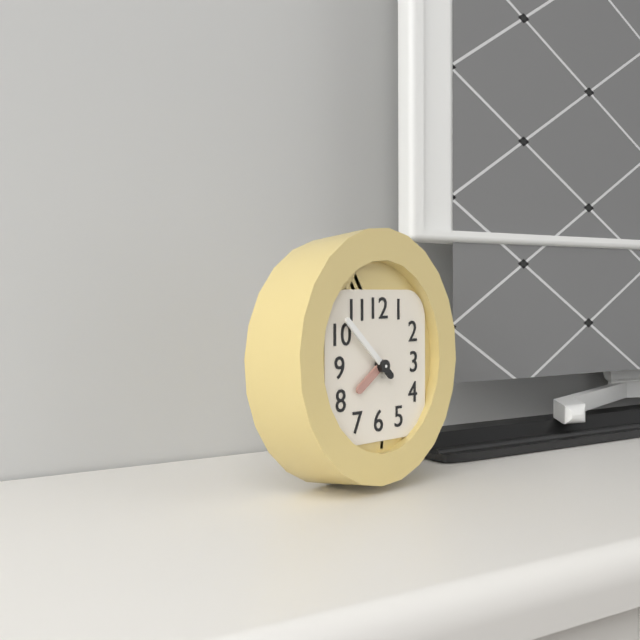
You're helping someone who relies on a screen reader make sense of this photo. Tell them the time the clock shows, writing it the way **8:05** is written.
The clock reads **7:52**
